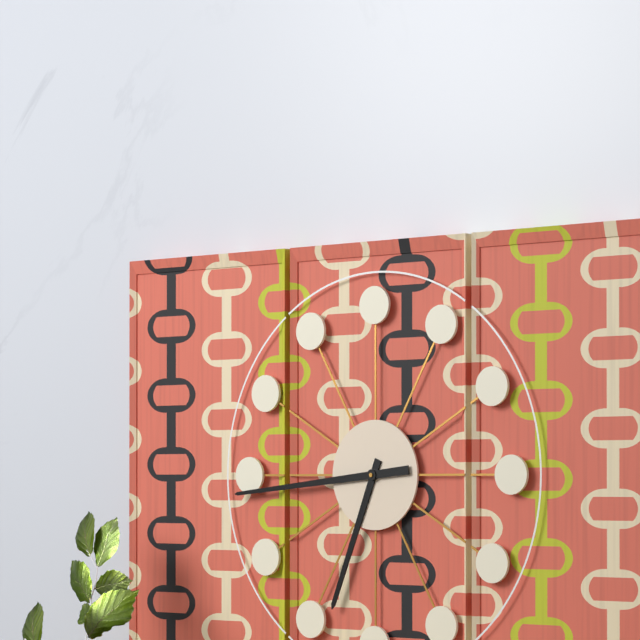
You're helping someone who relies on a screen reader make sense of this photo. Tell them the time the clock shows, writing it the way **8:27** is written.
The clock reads **6:44**
